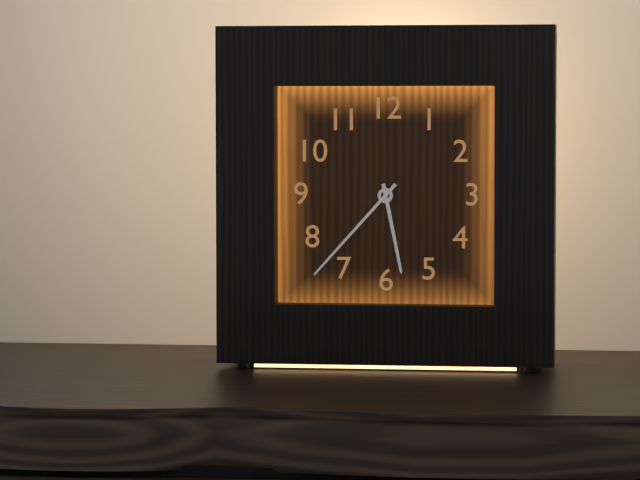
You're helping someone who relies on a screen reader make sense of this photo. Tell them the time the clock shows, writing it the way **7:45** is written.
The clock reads **5:37**
